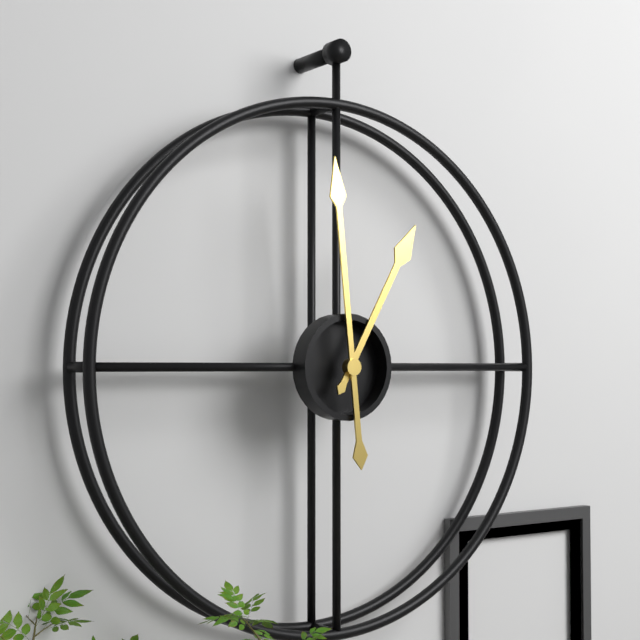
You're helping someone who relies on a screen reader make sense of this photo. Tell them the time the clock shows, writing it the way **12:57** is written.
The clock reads **12:59**
